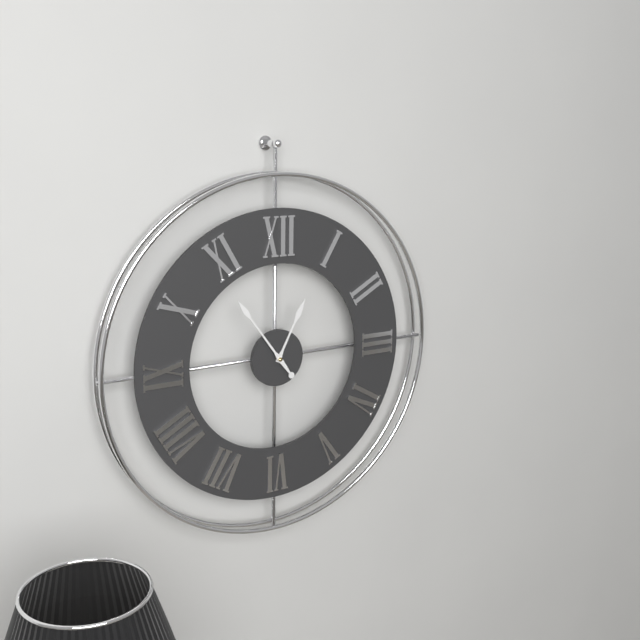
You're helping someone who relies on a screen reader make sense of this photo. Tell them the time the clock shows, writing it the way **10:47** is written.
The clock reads **12:54**
